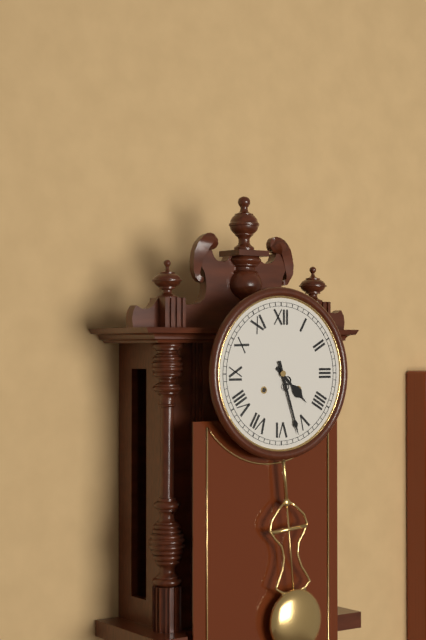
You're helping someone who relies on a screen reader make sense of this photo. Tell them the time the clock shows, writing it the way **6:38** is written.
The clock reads **4:27**
